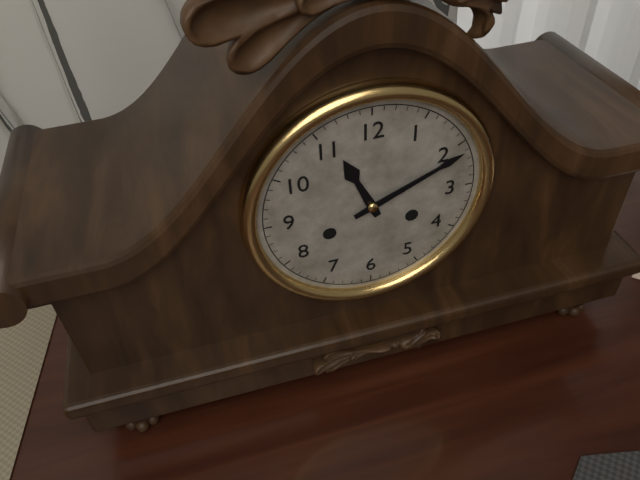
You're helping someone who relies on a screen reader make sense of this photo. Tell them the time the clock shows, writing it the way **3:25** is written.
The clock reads **11:11**
